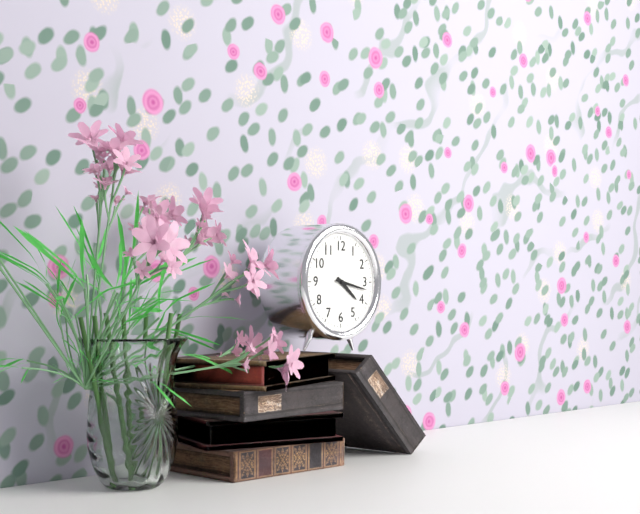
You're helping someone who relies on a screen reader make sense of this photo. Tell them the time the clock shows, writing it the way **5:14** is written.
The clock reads **4:17**
